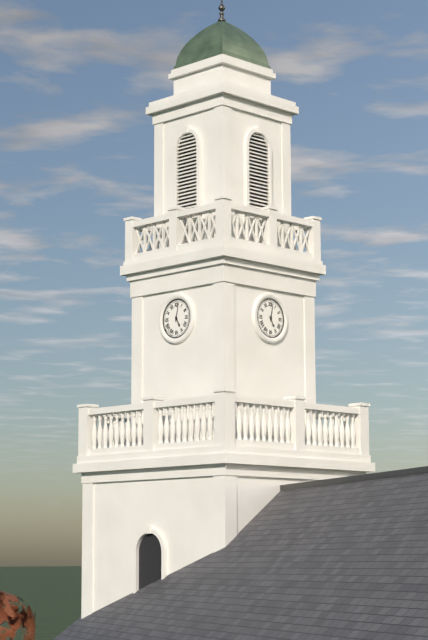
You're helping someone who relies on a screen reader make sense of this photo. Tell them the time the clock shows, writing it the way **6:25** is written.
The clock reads **5:02**
